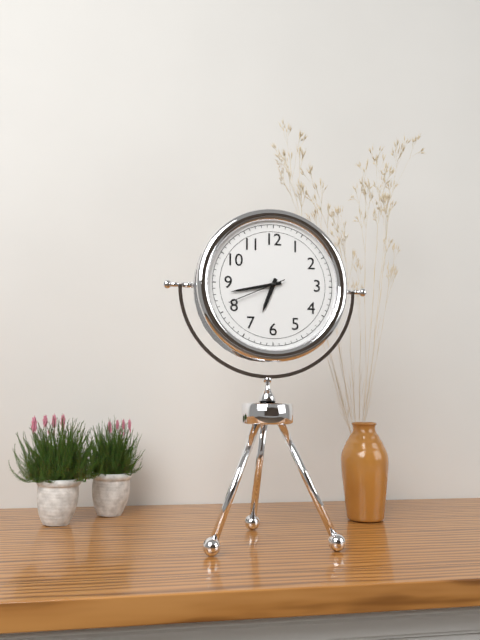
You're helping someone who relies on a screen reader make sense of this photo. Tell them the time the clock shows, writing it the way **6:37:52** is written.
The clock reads **6:43:41**
